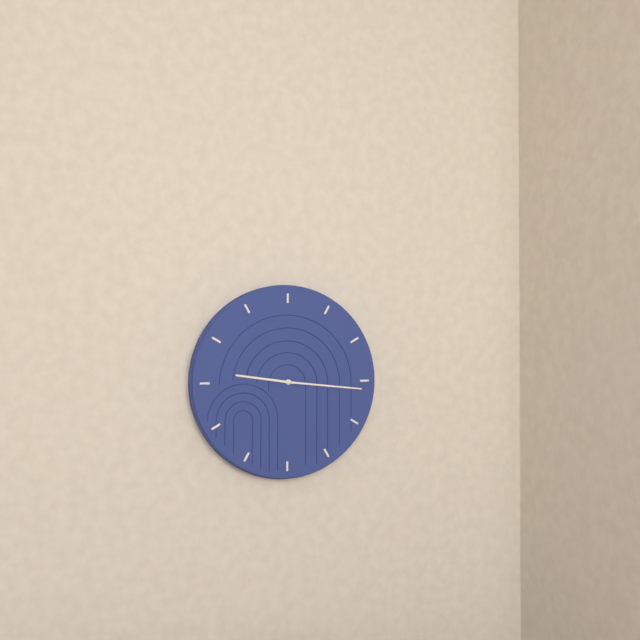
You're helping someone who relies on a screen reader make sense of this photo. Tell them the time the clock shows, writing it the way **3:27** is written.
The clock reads **9:16**
